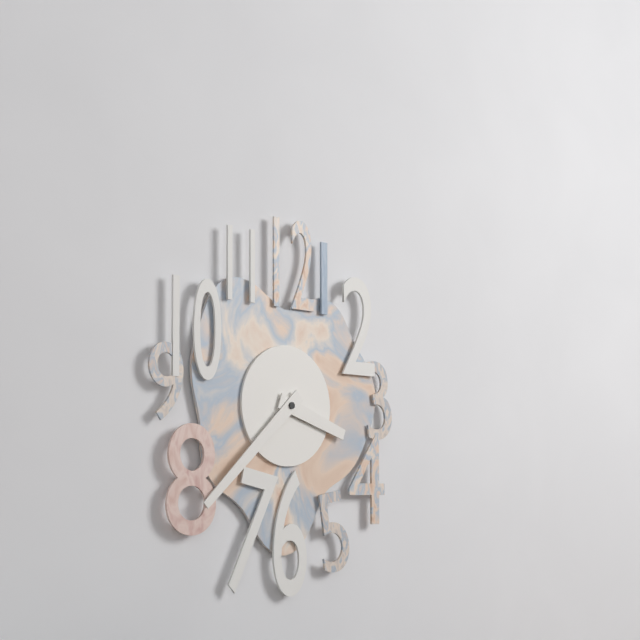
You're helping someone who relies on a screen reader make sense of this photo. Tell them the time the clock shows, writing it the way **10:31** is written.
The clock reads **3:38**
